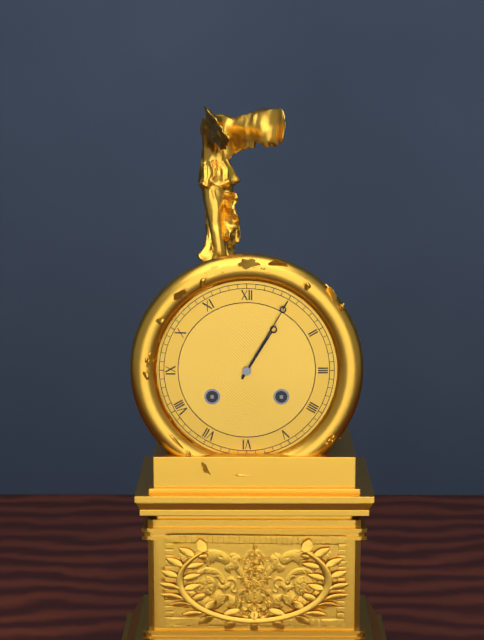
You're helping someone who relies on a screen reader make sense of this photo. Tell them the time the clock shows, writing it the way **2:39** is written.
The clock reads **1:05**
